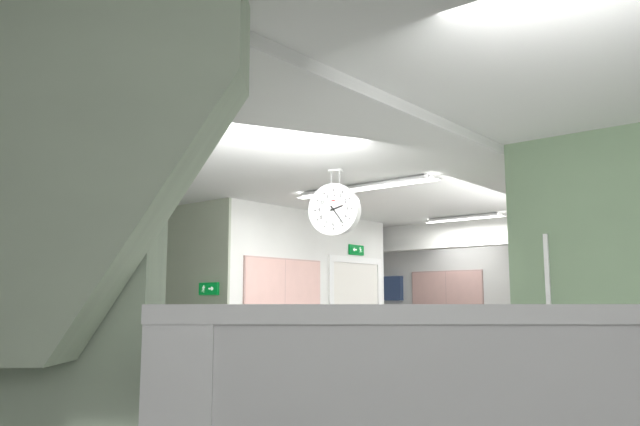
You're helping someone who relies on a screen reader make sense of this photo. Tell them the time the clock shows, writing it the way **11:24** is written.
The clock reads **2:24**
